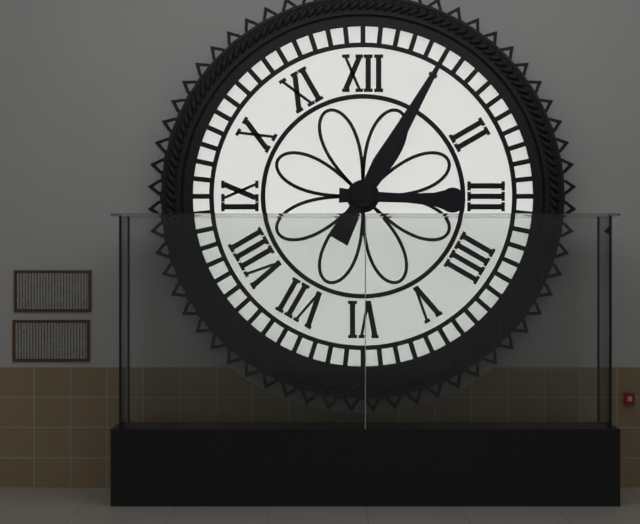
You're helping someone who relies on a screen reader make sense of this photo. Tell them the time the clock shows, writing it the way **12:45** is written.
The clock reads **3:05**
